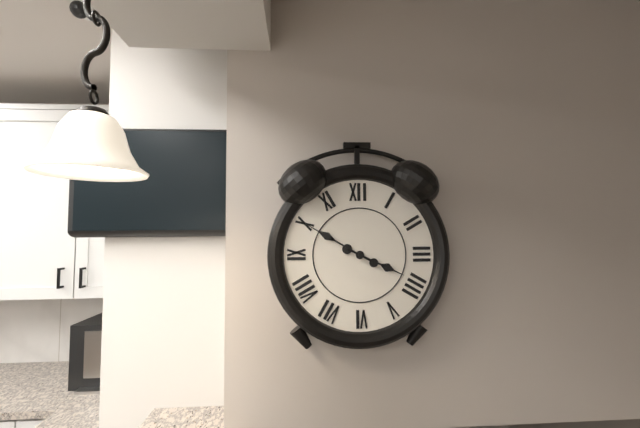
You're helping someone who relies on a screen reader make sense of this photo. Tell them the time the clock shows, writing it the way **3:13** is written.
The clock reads **3:50**
